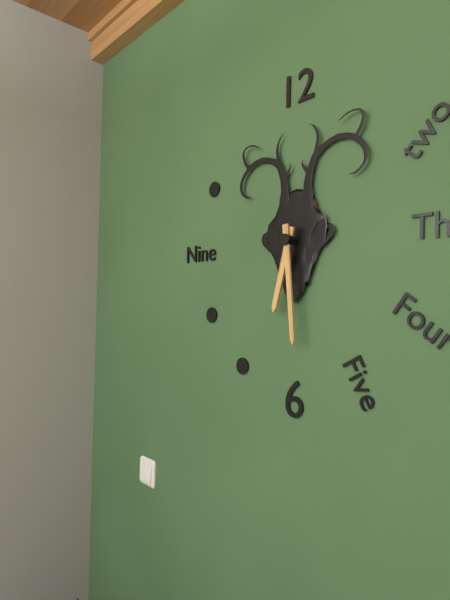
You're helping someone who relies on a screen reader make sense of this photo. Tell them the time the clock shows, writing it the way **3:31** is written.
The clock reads **6:29**
